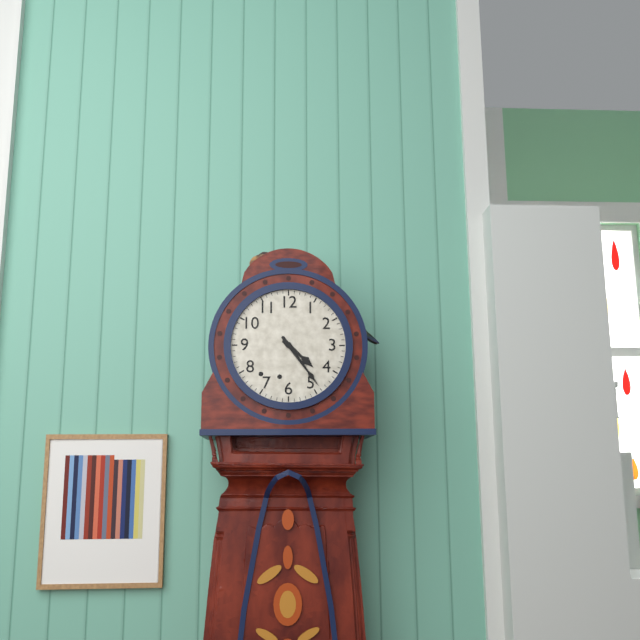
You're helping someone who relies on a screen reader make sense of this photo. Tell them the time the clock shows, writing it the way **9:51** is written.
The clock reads **4:24**
